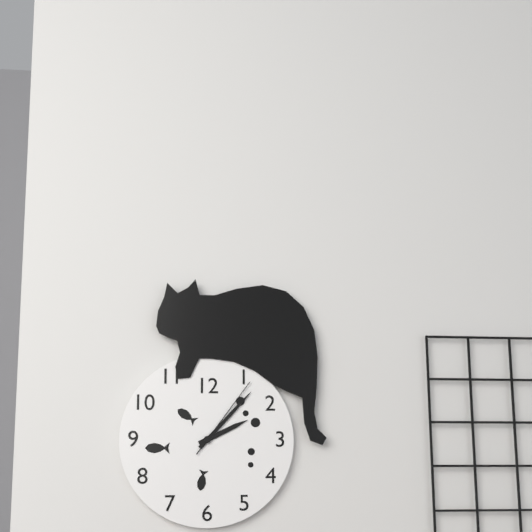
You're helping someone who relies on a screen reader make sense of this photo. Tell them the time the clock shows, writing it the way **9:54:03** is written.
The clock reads **2:07:06**
